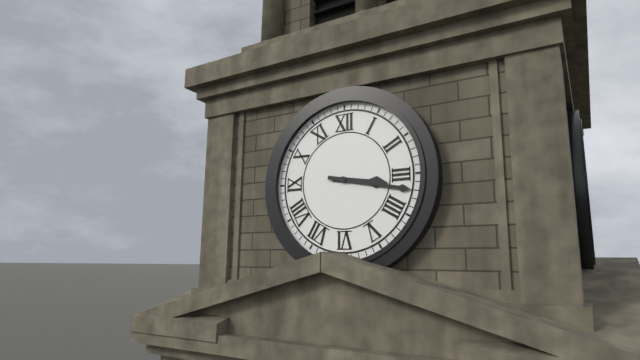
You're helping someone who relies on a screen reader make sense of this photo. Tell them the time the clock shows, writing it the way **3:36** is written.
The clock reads **3:17**
